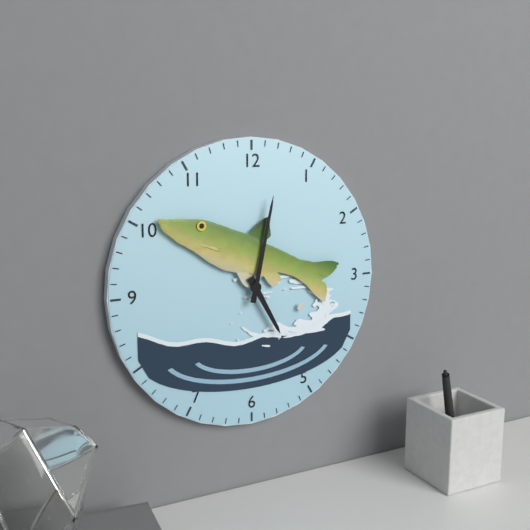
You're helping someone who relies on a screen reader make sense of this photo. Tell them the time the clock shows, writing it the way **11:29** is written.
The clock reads **5:02**
